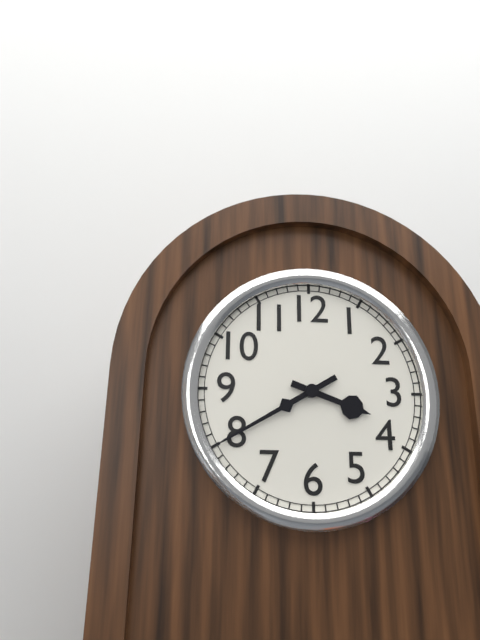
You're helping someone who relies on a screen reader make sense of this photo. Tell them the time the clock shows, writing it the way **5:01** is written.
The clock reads **3:40**
